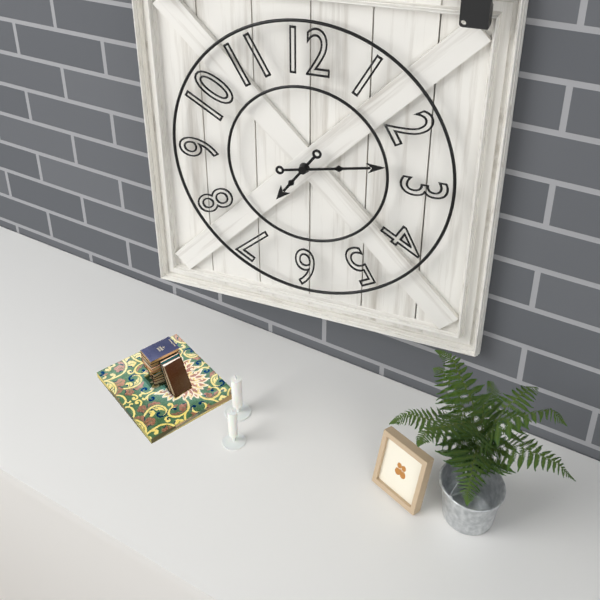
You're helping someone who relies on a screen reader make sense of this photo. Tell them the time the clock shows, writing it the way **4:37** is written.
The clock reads **7:13**
